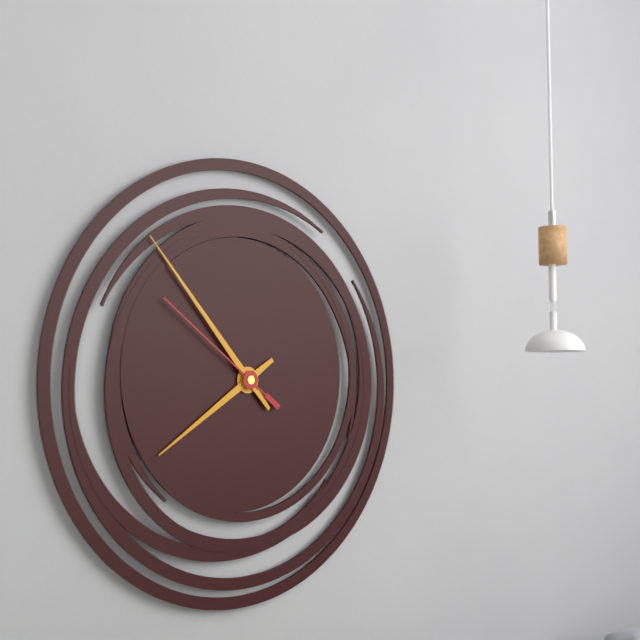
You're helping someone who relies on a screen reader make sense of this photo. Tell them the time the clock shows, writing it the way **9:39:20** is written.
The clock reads **7:53:51**
